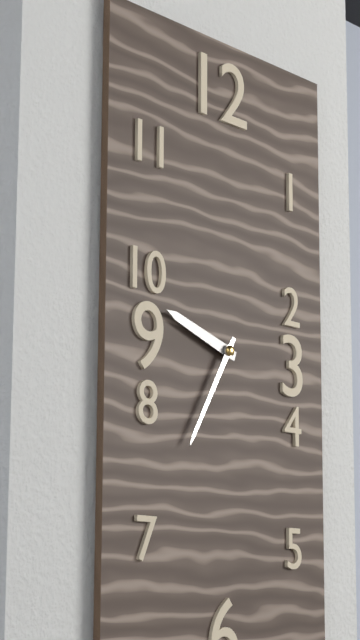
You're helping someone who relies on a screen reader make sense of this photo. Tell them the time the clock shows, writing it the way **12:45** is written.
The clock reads **9:35**
